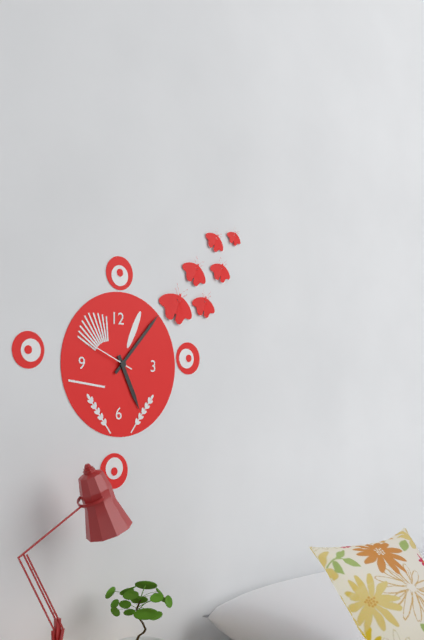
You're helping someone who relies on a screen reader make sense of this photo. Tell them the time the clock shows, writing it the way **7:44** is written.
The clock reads **5:07**
